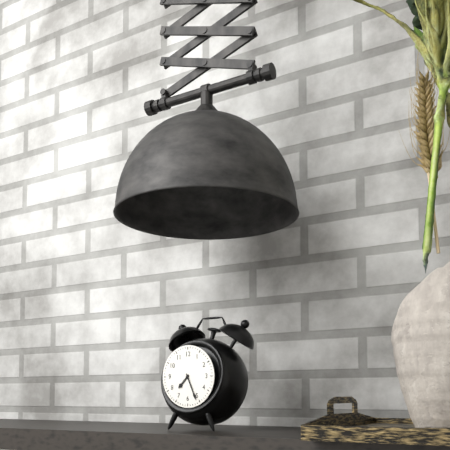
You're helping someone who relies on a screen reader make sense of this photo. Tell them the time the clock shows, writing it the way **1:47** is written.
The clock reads **7:26**
